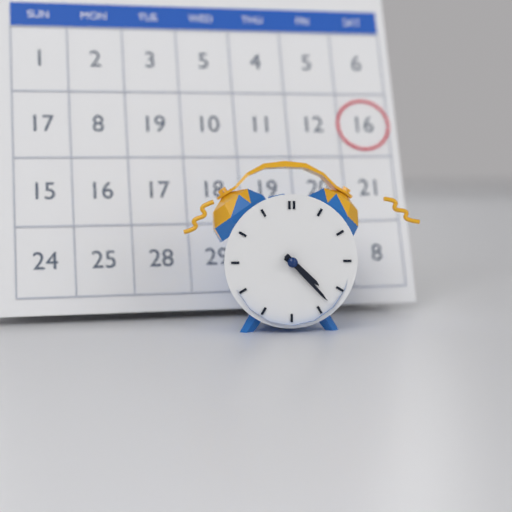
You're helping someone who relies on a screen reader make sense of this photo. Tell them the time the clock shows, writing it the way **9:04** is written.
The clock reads **4:23**
